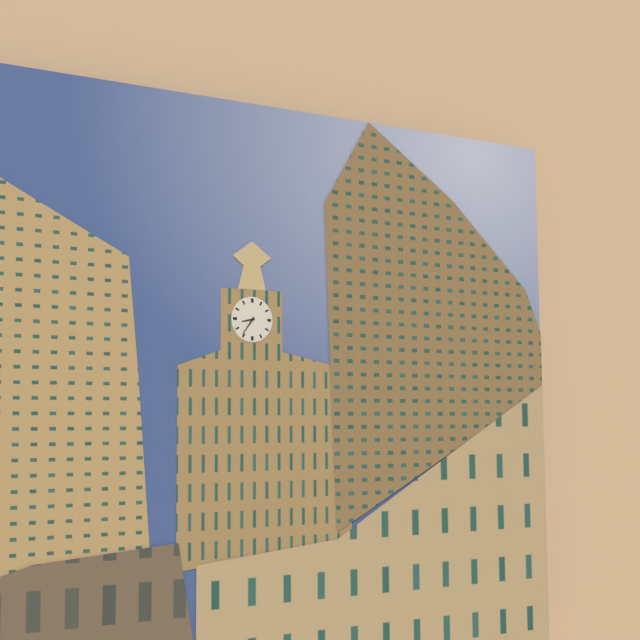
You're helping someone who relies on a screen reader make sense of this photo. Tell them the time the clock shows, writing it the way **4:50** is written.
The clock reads **8:36**
